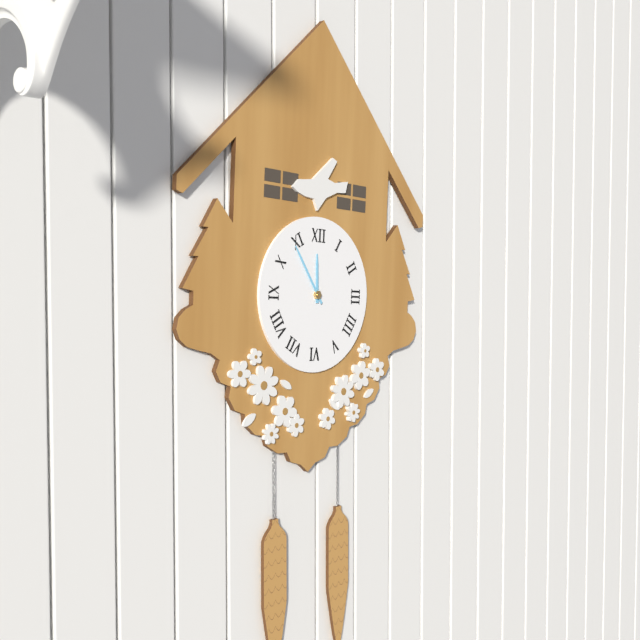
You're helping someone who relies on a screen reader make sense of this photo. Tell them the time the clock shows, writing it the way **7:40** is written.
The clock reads **11:54**
